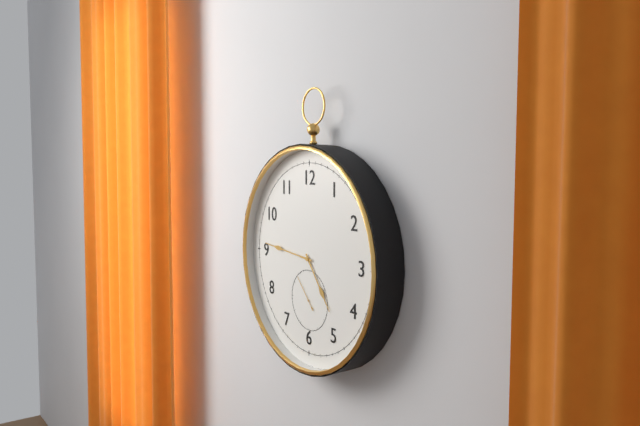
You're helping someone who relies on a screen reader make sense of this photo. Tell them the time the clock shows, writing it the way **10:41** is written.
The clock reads **4:46**
